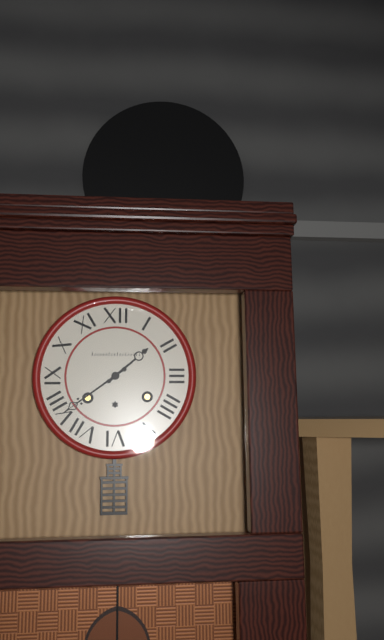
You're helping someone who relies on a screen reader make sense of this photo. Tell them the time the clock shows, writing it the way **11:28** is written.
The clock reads **1:39**
